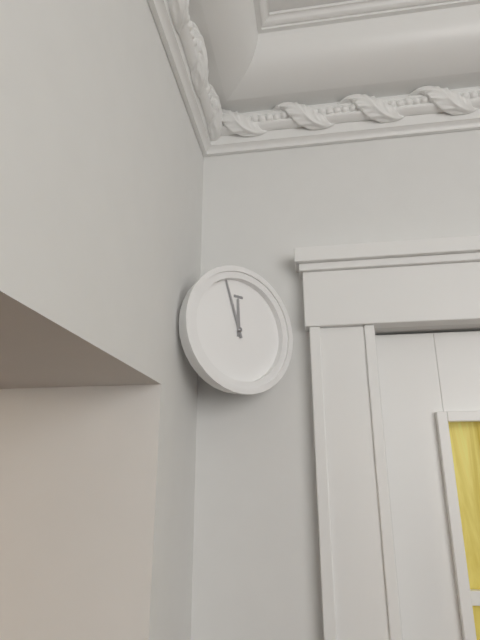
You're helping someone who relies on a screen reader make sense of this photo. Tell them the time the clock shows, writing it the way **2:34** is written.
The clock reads **11:57**
